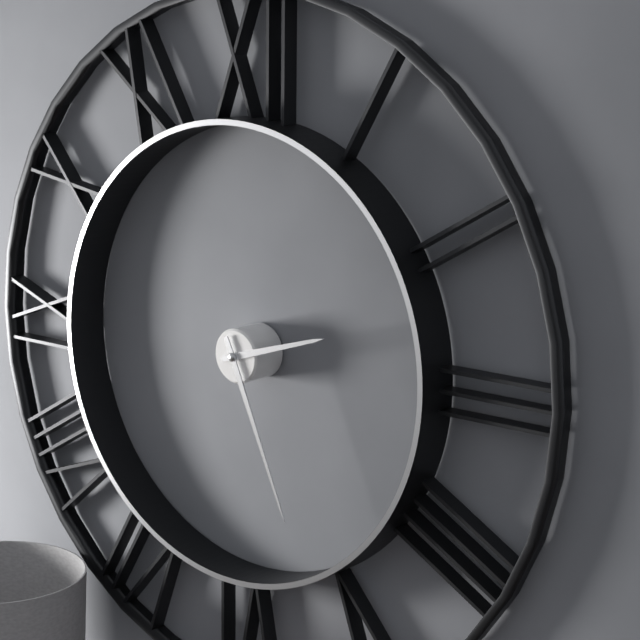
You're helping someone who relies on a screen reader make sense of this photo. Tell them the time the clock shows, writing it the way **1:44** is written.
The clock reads **2:26**
